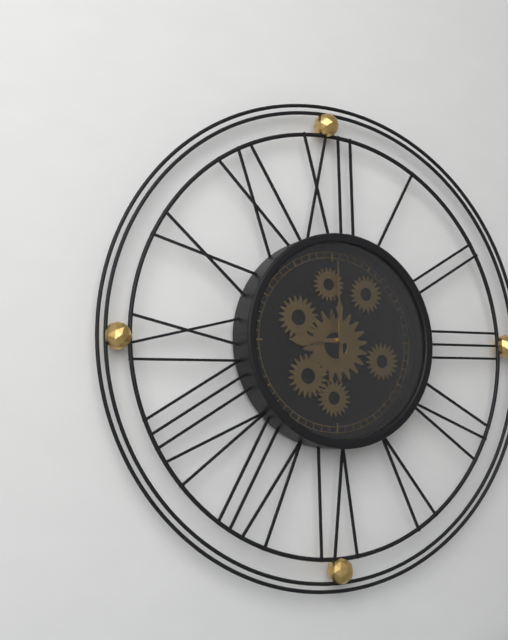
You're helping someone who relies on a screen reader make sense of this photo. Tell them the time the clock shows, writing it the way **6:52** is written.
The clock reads **9:00**
